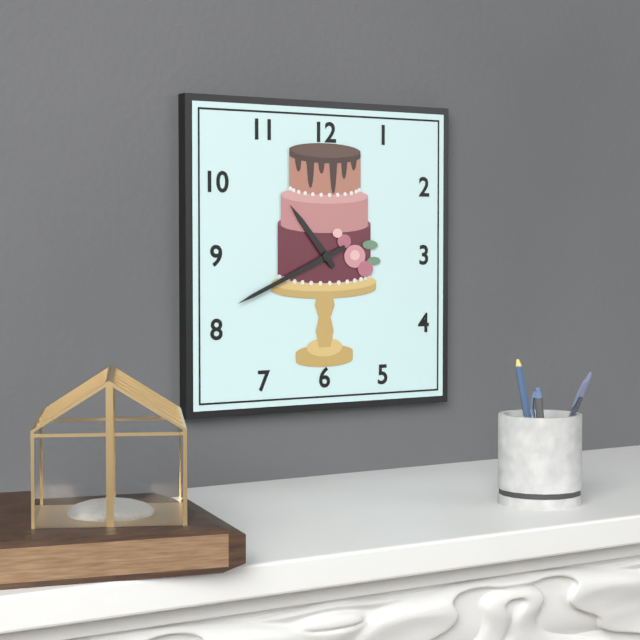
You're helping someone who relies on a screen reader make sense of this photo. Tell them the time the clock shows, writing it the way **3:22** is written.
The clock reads **10:41**
